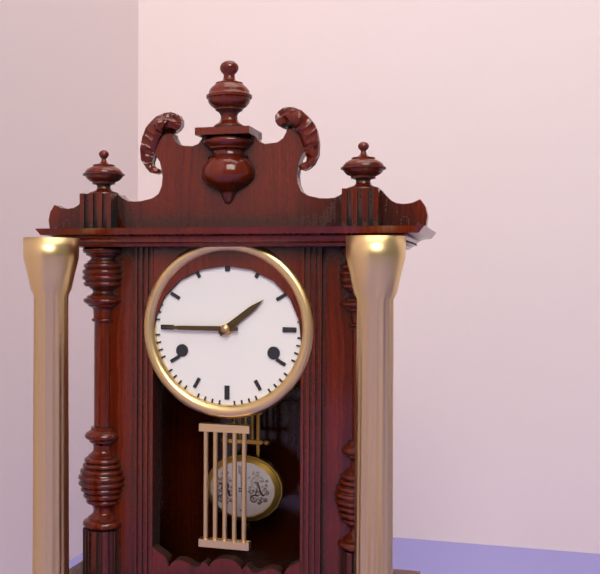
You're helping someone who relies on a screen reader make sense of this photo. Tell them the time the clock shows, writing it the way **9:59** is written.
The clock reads **1:45**
